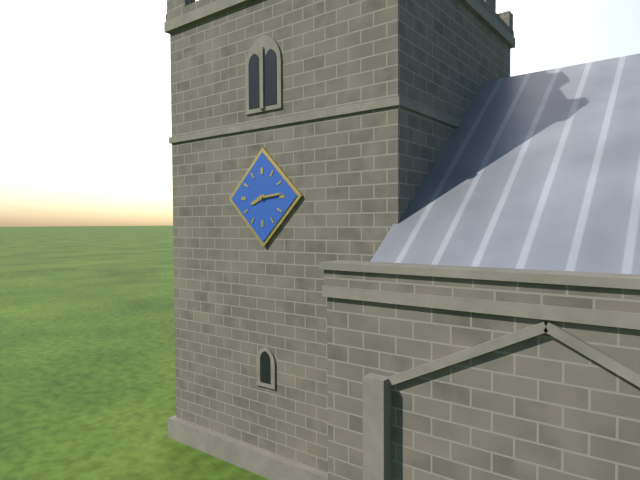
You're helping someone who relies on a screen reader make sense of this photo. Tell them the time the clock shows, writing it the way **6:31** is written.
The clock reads **8:14**
